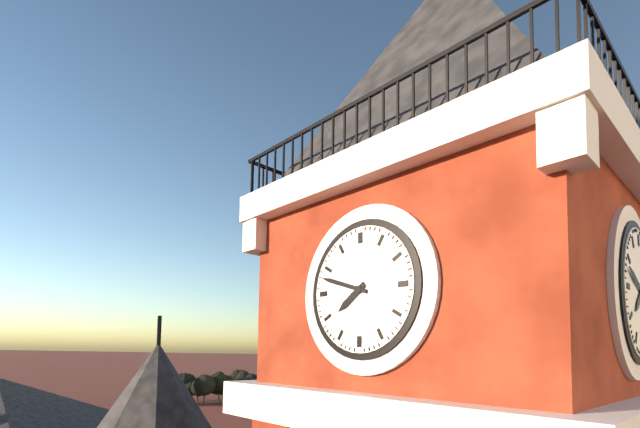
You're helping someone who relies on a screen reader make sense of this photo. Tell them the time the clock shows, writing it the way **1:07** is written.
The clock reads **7:48**
